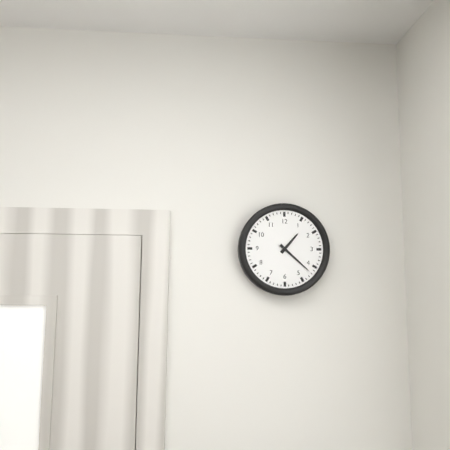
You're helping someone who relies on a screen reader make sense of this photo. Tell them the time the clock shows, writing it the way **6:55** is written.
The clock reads **1:22**
